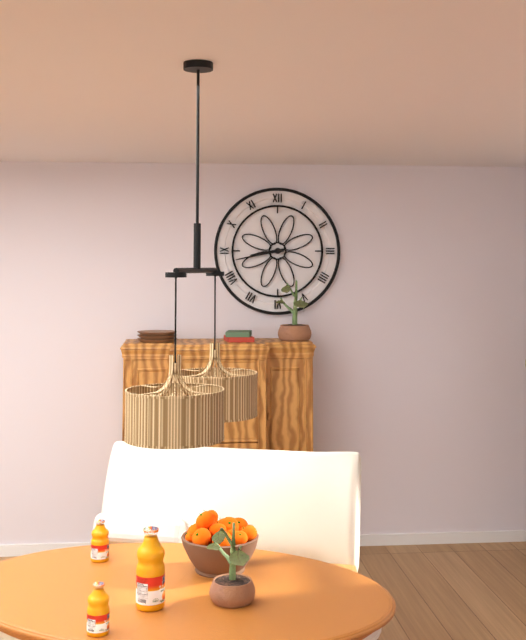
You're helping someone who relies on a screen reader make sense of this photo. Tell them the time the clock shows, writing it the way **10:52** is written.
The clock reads **8:43**
